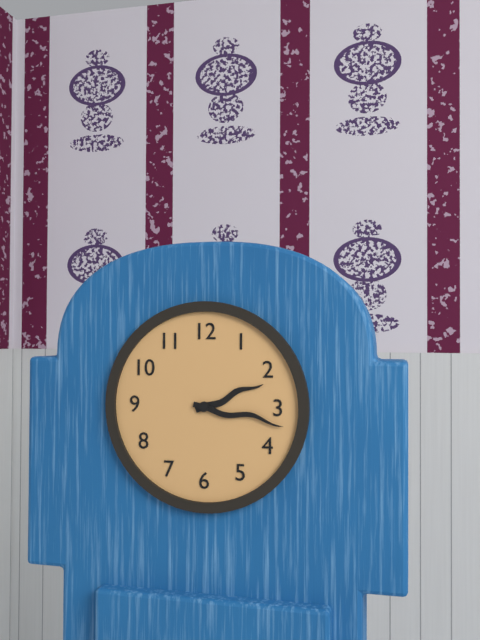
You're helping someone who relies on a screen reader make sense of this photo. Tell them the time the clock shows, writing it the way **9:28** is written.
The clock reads **2:17**
